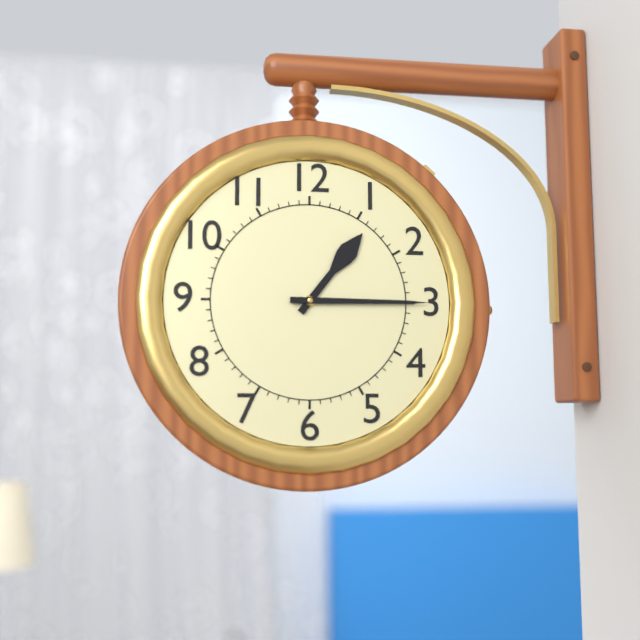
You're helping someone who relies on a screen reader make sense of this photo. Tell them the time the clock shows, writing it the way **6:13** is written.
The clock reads **1:15**
